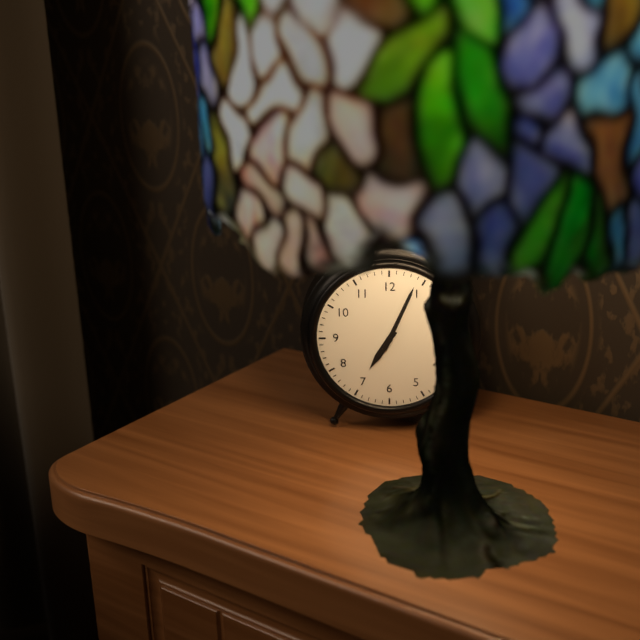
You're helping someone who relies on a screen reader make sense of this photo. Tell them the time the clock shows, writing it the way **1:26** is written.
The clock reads **7:04**
